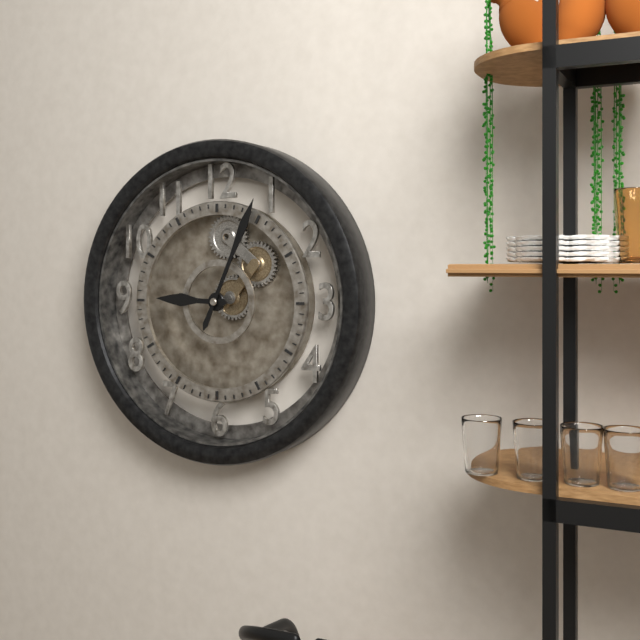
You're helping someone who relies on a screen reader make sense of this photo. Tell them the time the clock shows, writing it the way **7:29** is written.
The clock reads **9:04**
